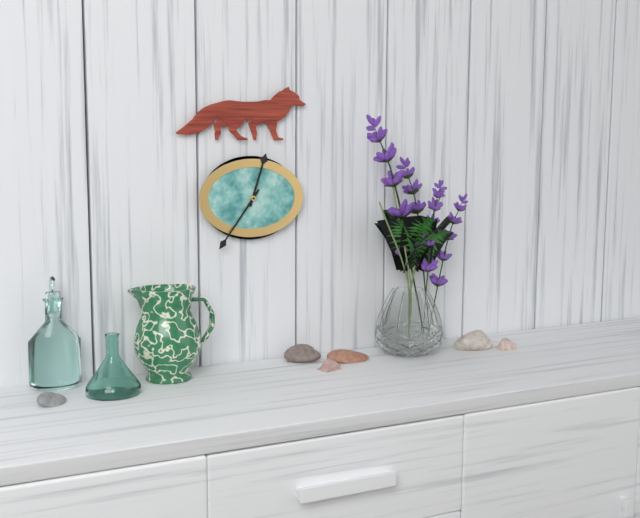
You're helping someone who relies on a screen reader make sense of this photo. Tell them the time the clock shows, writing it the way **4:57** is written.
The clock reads **12:36**
